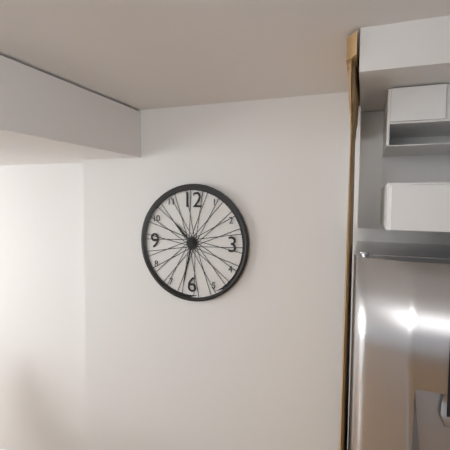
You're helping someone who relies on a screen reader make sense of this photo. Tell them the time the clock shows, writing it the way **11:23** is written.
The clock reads **10:32**
